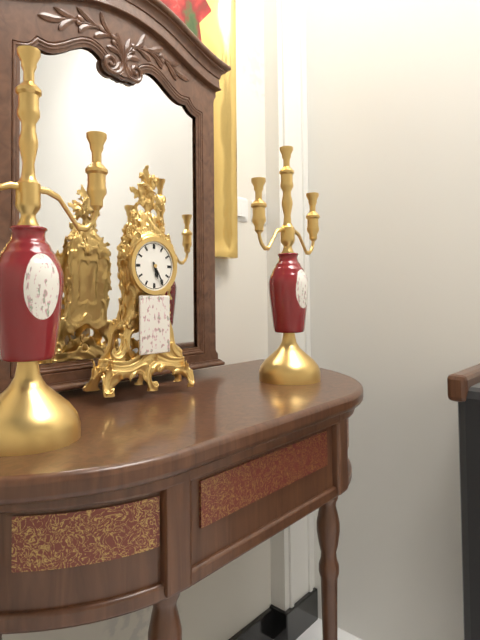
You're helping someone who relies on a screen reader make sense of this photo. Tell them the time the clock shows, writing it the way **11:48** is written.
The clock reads **5:25**
